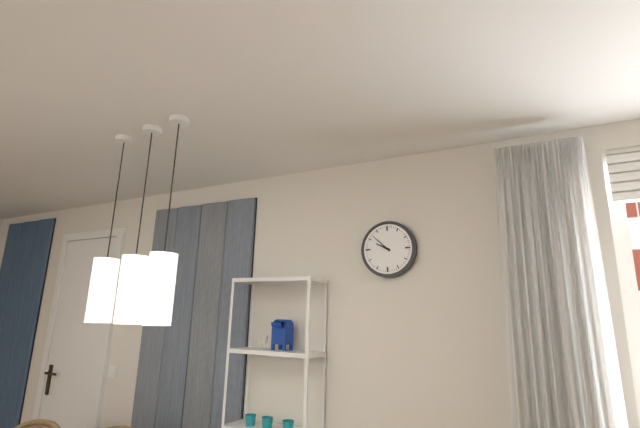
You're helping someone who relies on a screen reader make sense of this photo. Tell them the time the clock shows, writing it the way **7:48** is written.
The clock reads **9:52**
